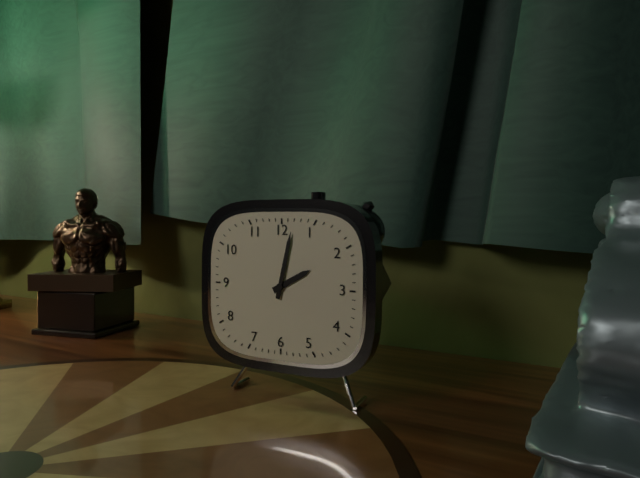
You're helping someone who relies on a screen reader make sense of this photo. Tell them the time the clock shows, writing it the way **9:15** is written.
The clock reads **2:02**
